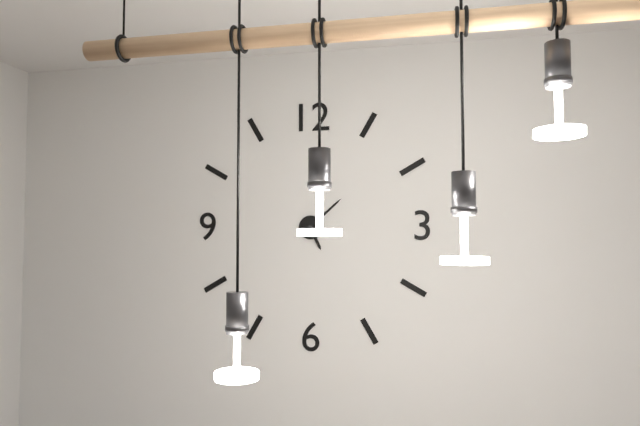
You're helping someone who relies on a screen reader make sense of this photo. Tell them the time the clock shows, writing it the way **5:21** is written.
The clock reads **5:08**
